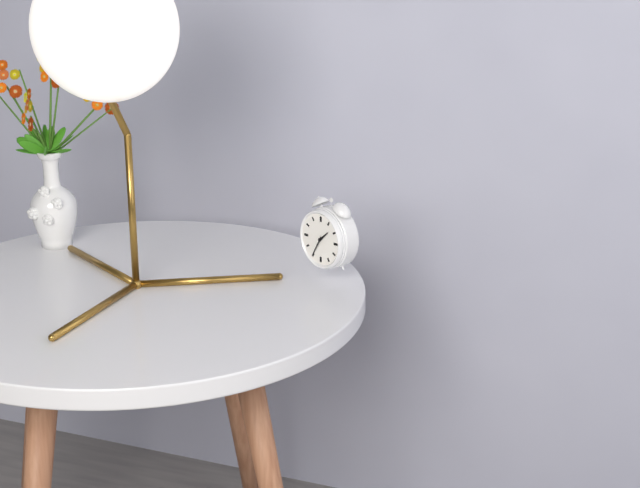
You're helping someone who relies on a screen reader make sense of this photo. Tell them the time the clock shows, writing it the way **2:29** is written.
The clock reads **1:35**
